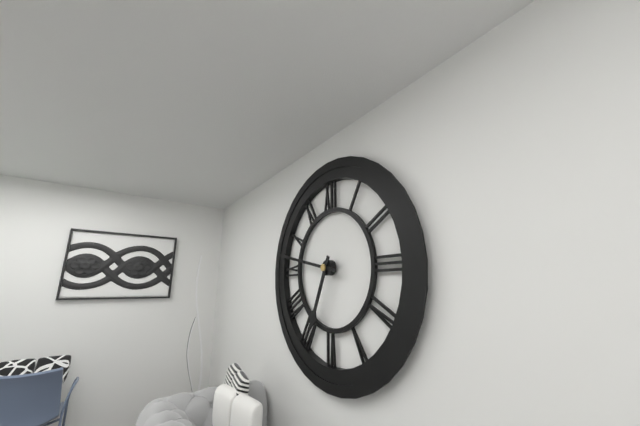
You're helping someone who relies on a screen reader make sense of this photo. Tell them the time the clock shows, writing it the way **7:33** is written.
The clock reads **6:47**
